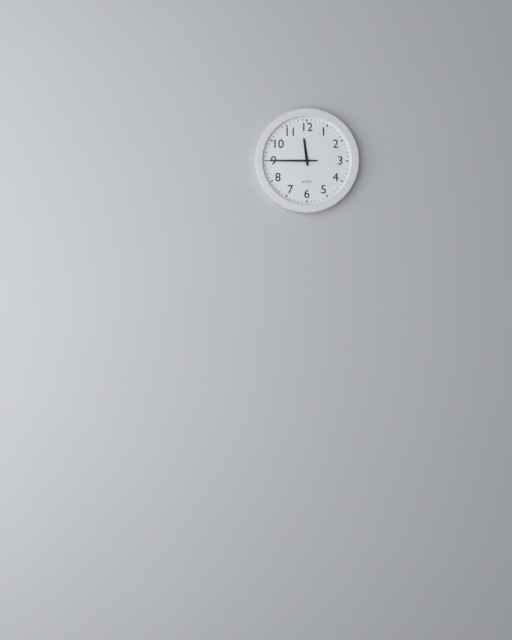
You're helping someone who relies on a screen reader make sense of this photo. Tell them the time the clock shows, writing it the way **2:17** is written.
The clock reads **11:45**
